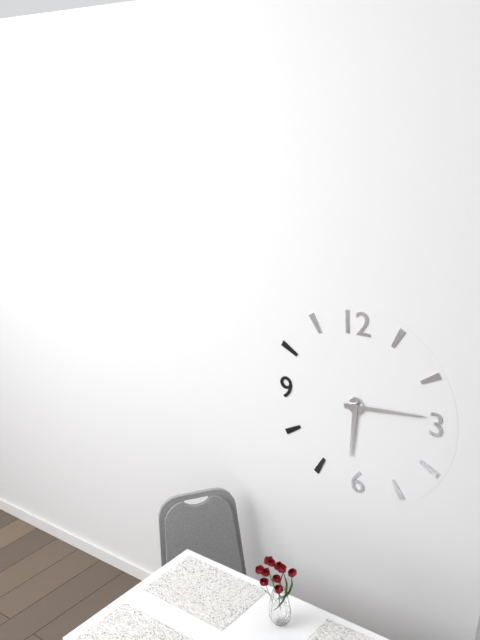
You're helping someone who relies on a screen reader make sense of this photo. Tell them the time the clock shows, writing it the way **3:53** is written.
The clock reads **6:14**
